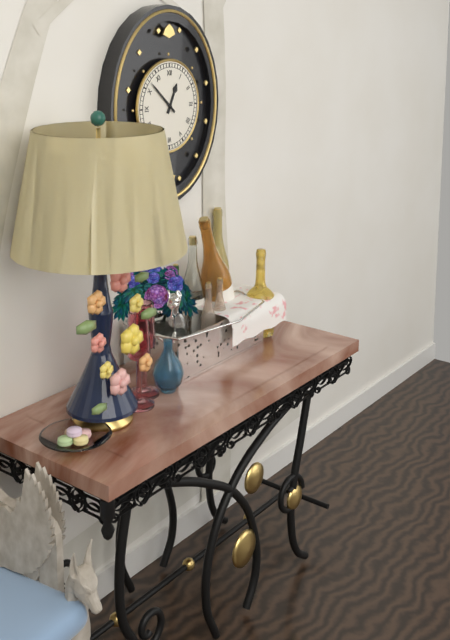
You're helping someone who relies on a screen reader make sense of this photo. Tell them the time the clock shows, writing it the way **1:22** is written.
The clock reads **12:52**
